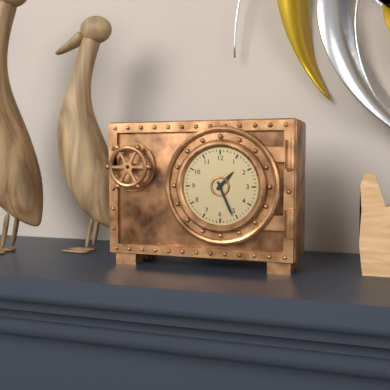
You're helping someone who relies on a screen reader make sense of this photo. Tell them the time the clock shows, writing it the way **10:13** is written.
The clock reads **1:26**
